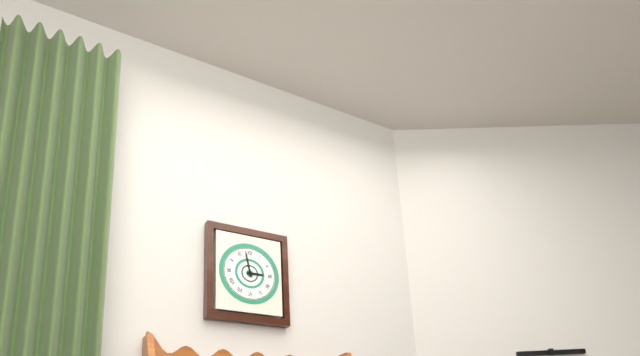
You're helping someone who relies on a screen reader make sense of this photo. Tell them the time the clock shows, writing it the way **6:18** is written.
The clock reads **2:58**
